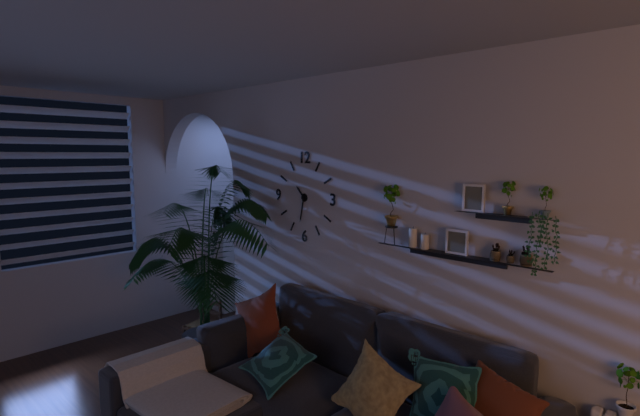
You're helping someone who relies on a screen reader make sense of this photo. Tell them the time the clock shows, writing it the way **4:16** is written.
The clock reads **10:32**
